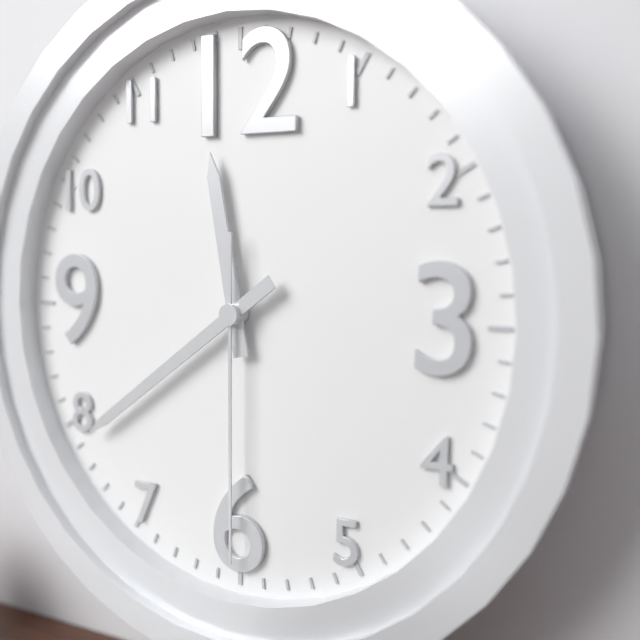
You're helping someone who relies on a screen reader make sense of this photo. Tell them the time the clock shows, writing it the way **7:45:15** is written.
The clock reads **11:39:30**
